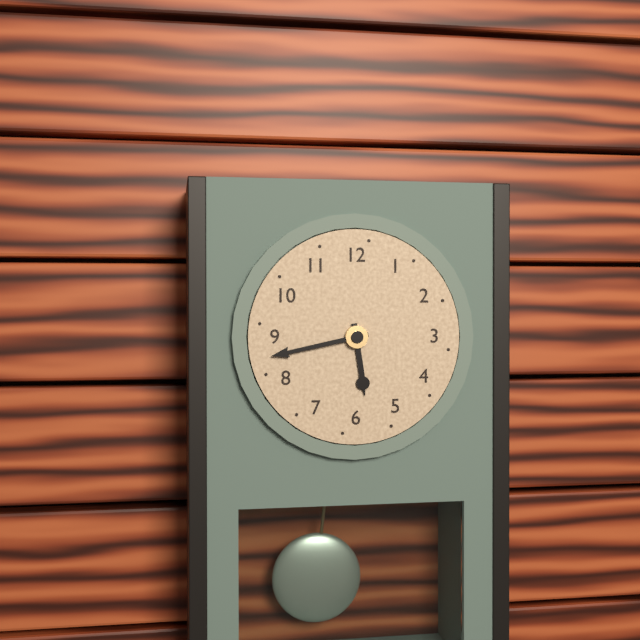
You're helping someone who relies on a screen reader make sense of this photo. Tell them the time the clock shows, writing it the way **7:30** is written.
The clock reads **5:43**
